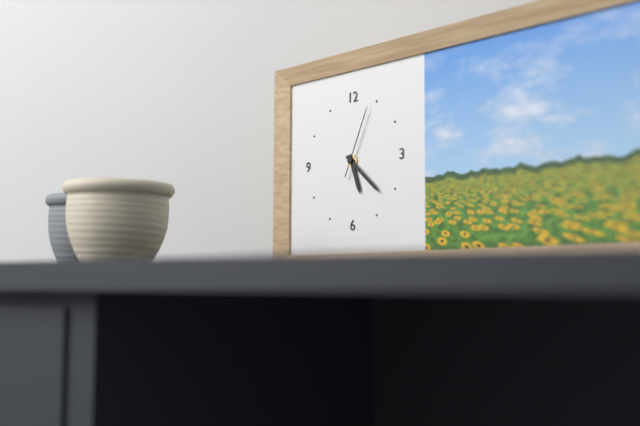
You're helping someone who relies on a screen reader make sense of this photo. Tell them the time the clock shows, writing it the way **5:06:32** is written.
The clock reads **5:22:04**
